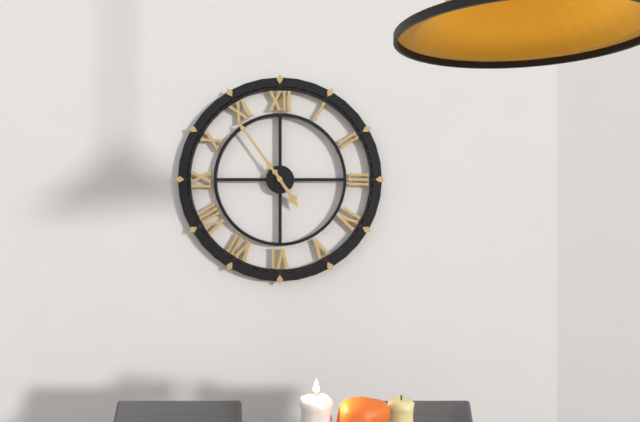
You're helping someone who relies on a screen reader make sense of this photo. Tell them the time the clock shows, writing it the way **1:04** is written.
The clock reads **4:54**
